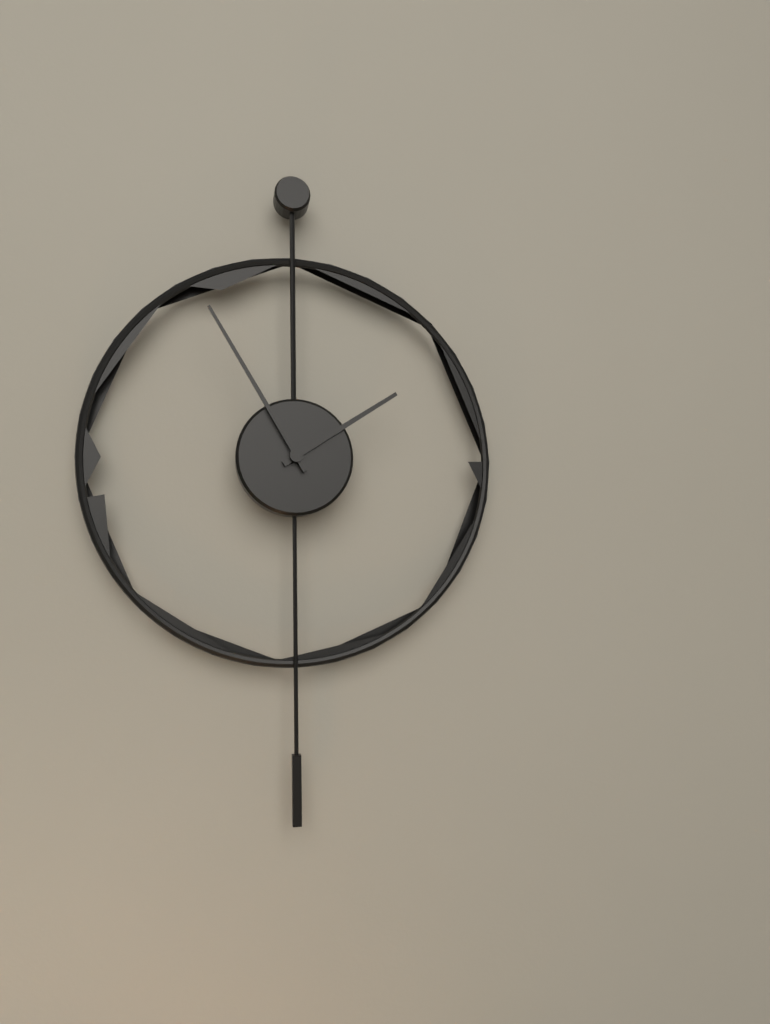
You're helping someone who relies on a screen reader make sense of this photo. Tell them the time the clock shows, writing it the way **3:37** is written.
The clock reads **1:55**
